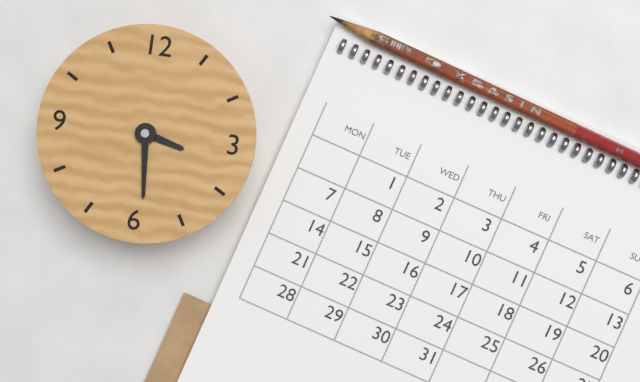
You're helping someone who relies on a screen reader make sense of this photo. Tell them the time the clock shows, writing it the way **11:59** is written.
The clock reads **3:29**
